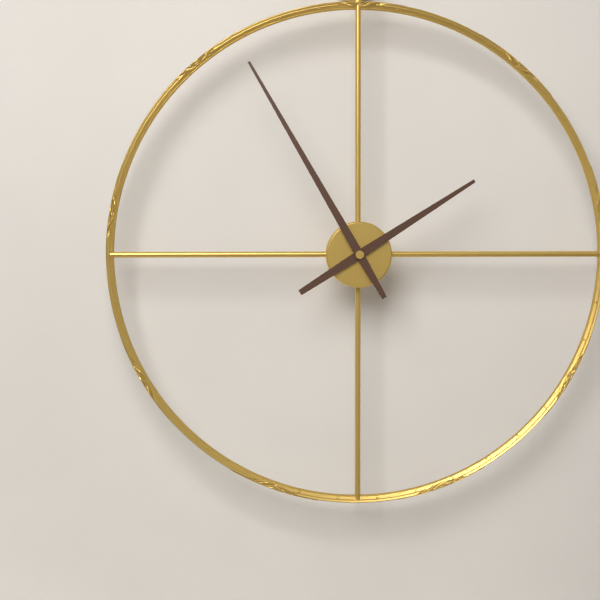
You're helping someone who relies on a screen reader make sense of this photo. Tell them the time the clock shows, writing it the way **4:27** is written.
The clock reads **1:55**
